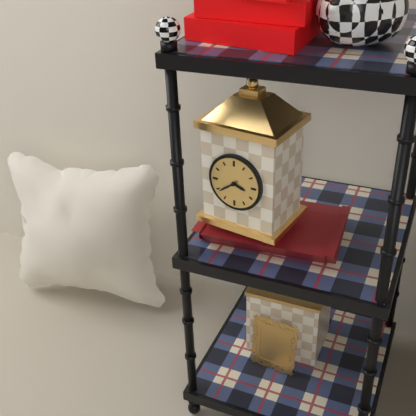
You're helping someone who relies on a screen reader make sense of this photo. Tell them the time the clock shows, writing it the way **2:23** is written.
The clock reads **3:39**
